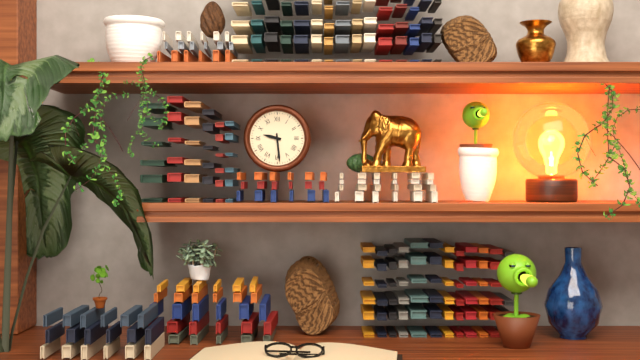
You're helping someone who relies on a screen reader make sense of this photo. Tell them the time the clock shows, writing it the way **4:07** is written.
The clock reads **9:29**
